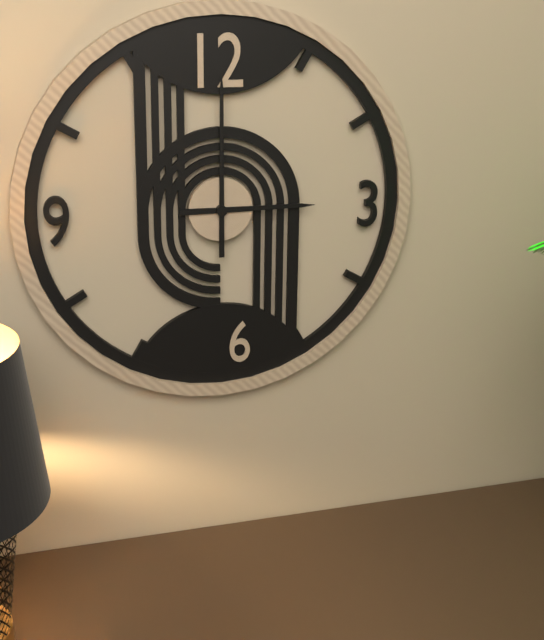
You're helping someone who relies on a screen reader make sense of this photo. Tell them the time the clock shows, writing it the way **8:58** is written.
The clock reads **3:00**
